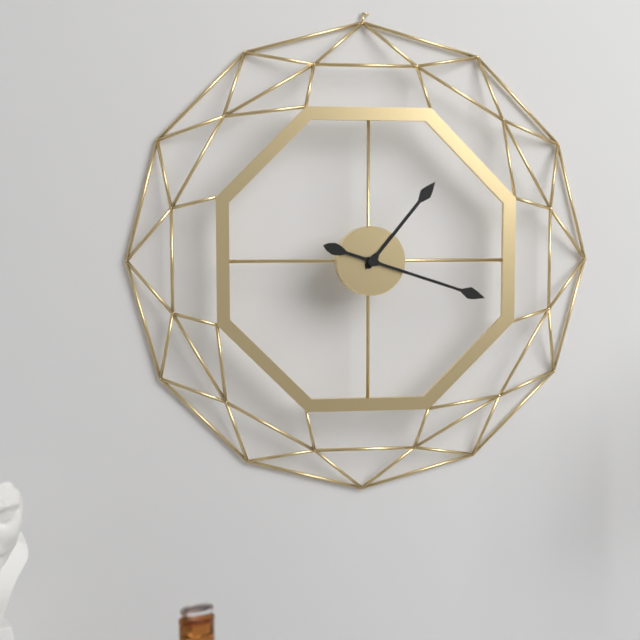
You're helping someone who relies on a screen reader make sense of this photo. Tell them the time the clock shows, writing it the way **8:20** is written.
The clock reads **1:18**
